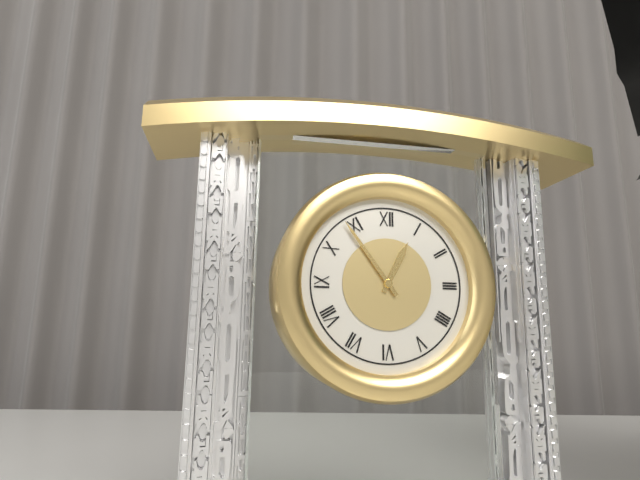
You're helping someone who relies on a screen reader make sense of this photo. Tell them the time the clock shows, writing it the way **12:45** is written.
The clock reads **12:54**
